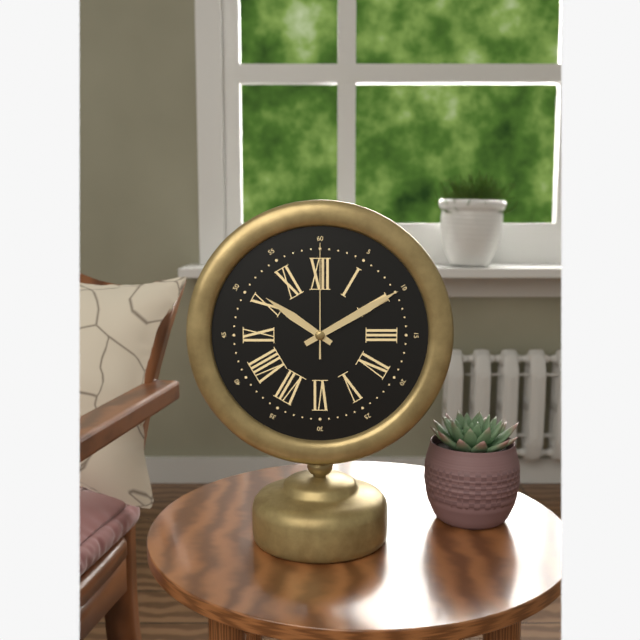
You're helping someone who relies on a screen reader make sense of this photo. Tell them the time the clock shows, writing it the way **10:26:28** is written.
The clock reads **10:10:00**
